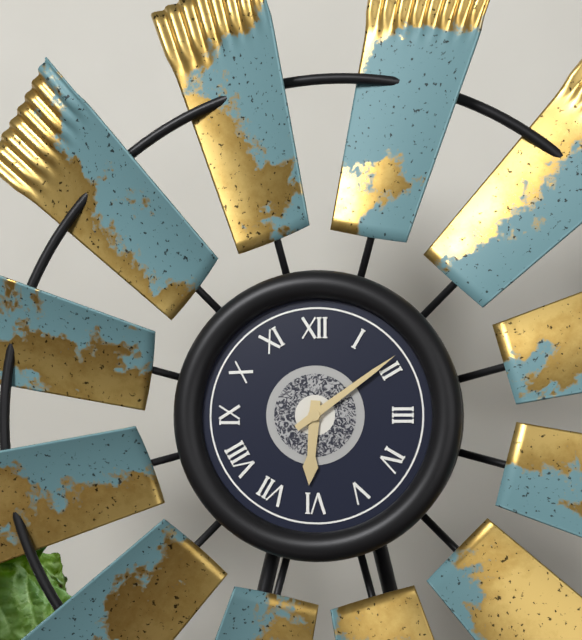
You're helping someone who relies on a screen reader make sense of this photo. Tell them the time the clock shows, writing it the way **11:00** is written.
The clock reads **6:09**
